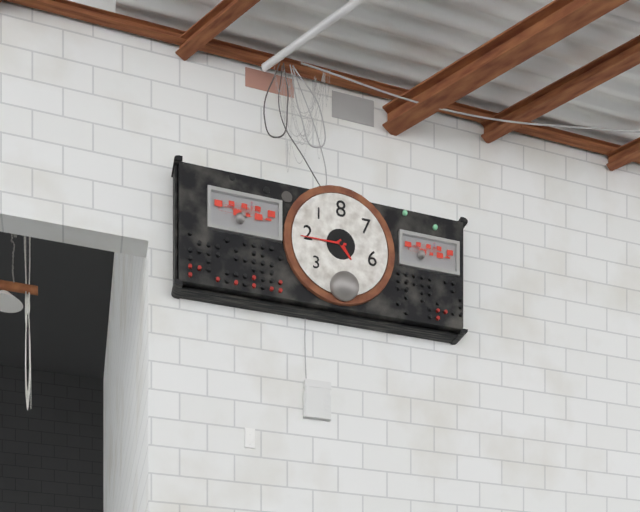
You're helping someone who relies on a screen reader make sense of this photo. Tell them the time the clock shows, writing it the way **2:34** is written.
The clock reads **4:45**
